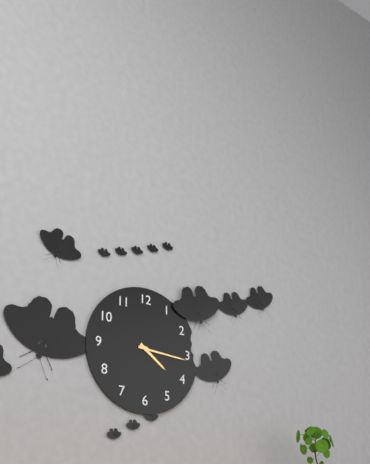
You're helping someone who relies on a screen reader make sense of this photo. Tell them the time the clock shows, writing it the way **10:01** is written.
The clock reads **4:16**
